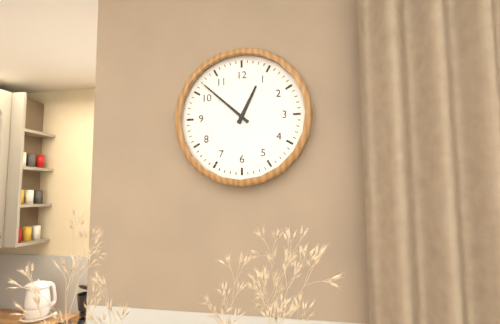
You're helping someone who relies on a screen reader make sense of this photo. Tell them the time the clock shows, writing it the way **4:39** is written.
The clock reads **12:52**
